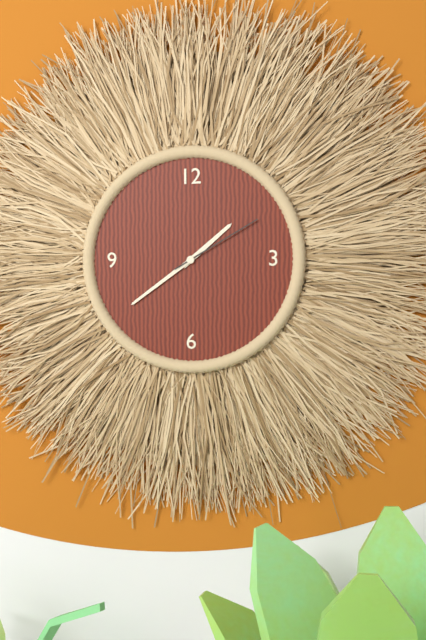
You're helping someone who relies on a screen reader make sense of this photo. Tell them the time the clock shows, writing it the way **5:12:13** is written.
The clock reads **1:39:10**
